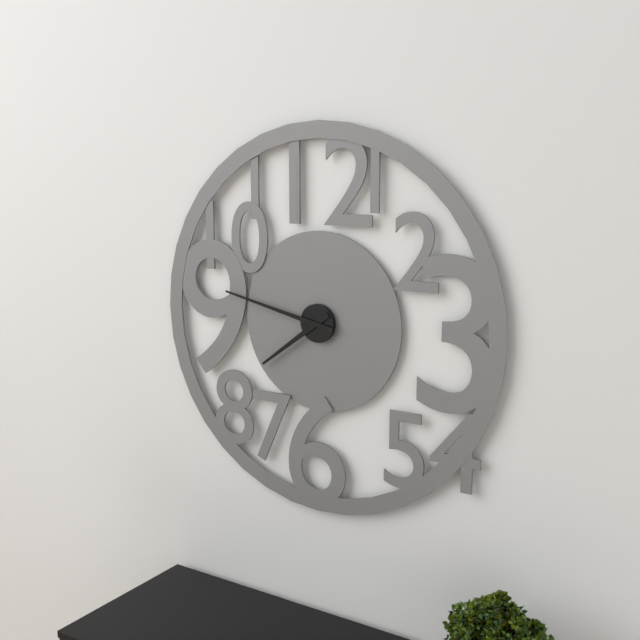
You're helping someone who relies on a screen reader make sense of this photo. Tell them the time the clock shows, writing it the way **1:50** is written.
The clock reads **7:47**
